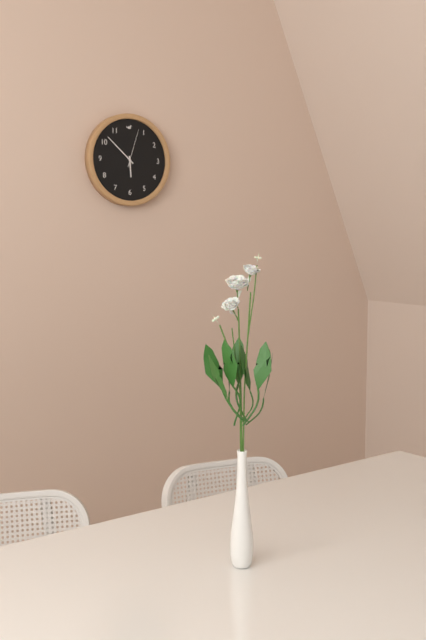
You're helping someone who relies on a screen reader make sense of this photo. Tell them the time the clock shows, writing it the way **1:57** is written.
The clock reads **5:52**
